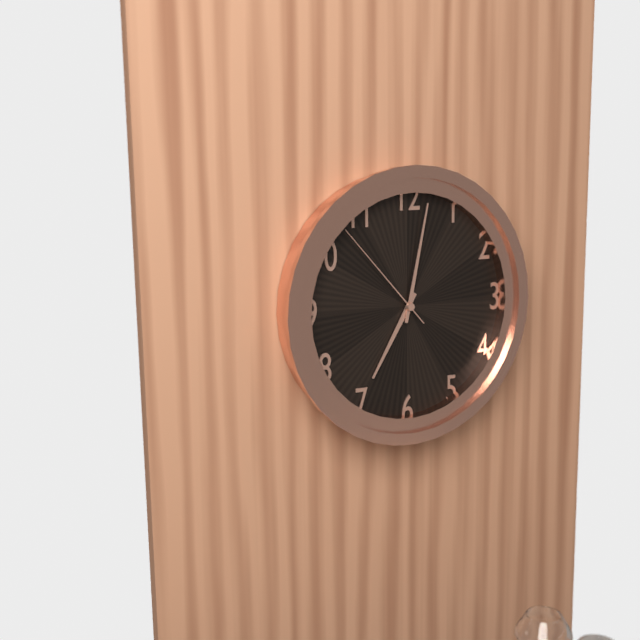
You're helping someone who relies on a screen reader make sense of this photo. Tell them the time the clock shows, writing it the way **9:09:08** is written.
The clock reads **7:02:53**
